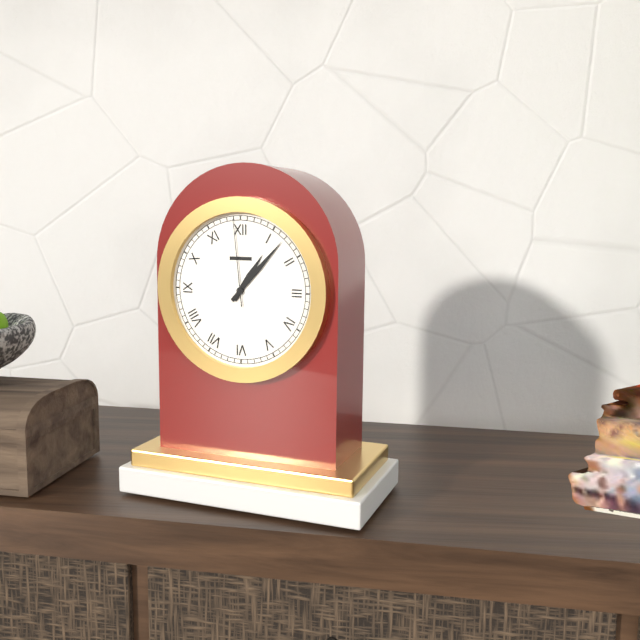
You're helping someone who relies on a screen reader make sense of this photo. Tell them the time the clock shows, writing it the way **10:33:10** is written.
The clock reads **1:07:59**
